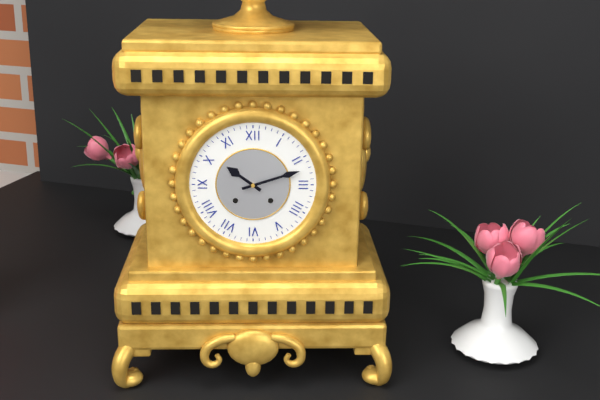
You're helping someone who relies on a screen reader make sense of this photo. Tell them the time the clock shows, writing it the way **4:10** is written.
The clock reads **10:12**
